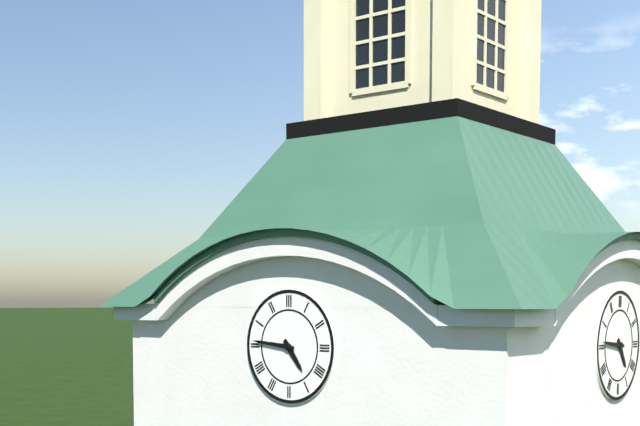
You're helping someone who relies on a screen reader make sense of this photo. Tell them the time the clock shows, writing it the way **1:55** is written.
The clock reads **4:46**
